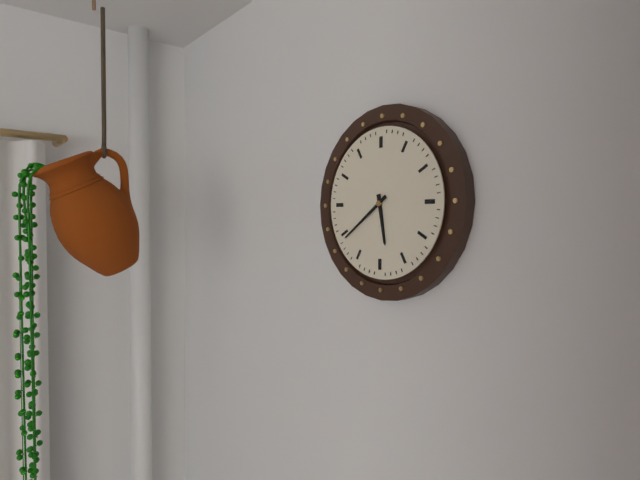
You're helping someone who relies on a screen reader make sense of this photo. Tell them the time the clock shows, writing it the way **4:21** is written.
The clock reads **5:39**
